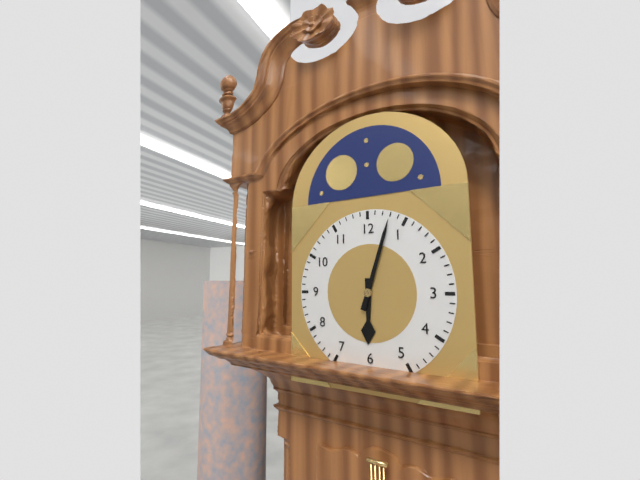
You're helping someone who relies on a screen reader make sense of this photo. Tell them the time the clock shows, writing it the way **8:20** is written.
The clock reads **6:03**
